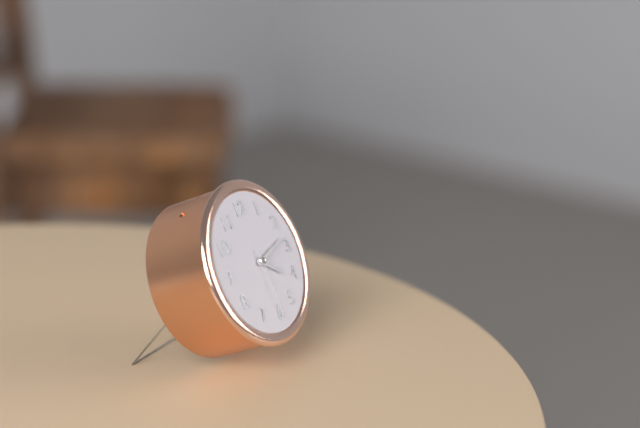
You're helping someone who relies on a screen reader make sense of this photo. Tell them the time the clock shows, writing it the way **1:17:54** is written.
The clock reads **4:13:30**
